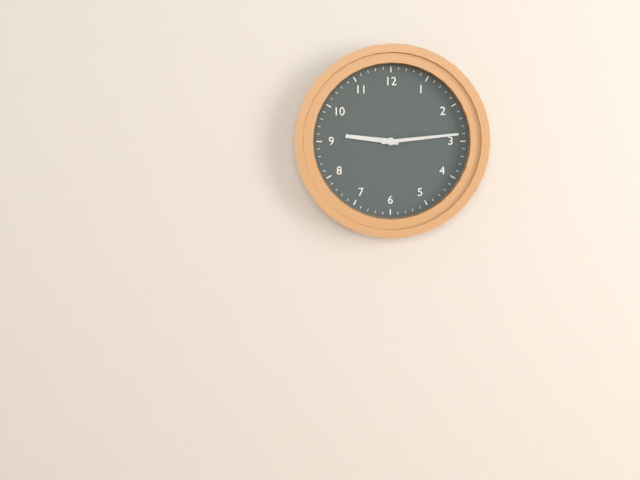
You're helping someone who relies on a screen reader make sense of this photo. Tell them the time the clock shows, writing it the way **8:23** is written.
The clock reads **9:14**
